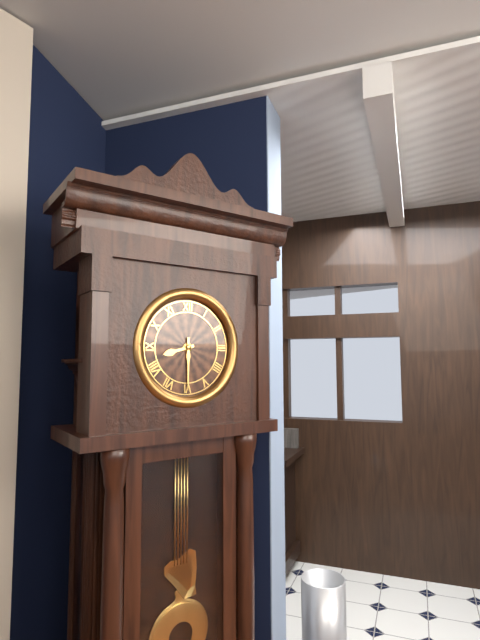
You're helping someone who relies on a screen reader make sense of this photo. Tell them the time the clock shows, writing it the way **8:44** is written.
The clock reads **8:30**
